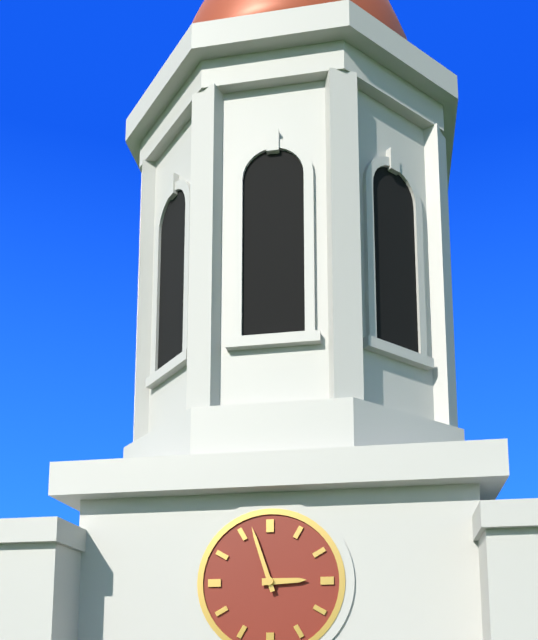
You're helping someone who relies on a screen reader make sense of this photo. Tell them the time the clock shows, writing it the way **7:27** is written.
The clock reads **2:57**
